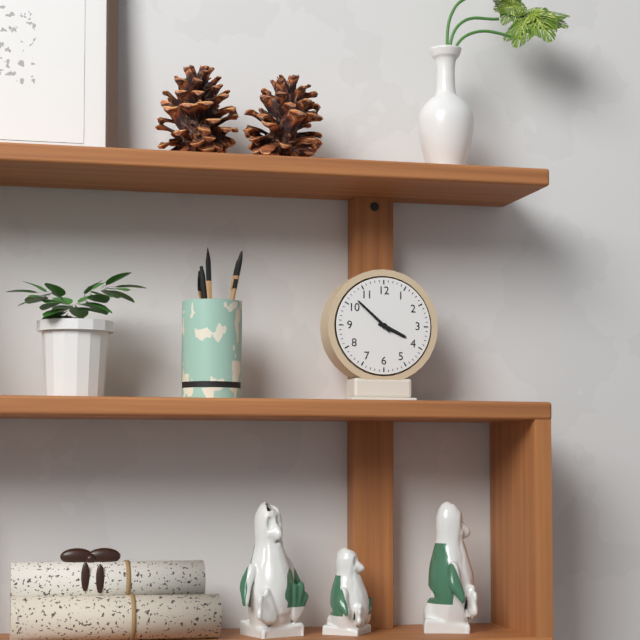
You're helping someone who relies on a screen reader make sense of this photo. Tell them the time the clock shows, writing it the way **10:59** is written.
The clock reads **3:52**
